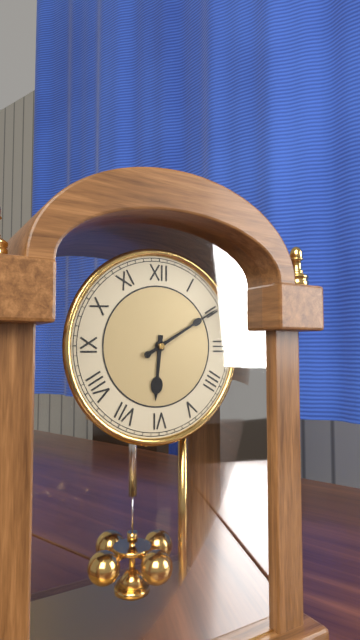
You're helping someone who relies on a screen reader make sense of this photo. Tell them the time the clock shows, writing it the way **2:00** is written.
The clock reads **6:10**
